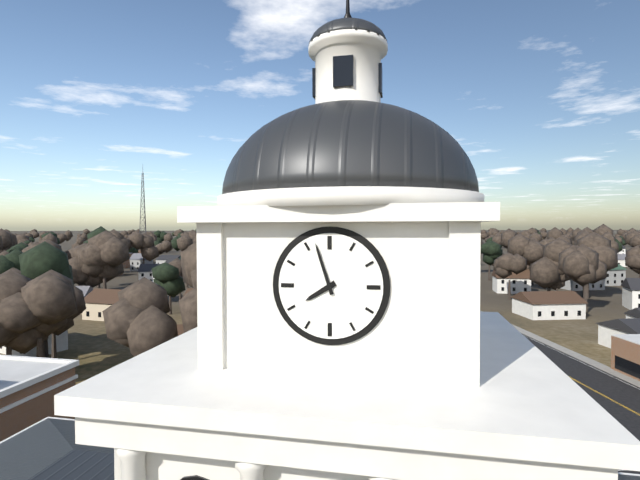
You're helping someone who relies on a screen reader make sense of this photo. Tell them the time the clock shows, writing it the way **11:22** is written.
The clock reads **7:57**
